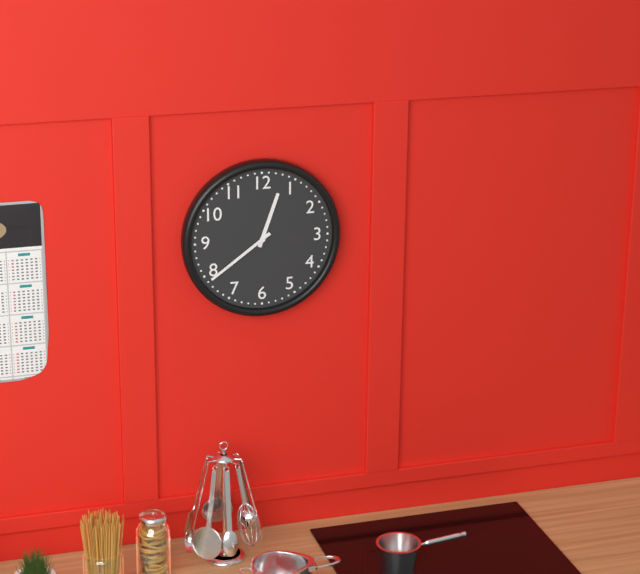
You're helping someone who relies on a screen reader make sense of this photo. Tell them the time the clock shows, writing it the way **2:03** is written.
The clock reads **12:39**
